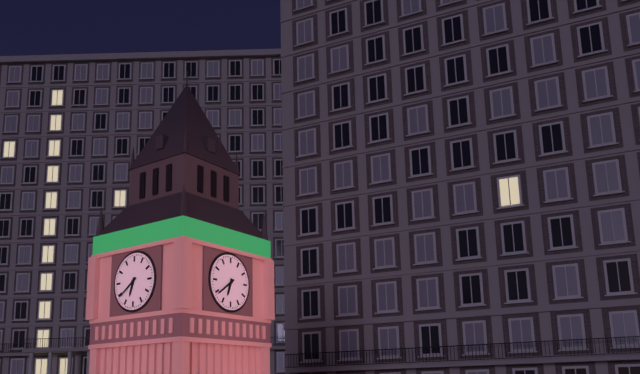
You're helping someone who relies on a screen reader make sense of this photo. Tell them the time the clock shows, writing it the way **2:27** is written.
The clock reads **6:39**
